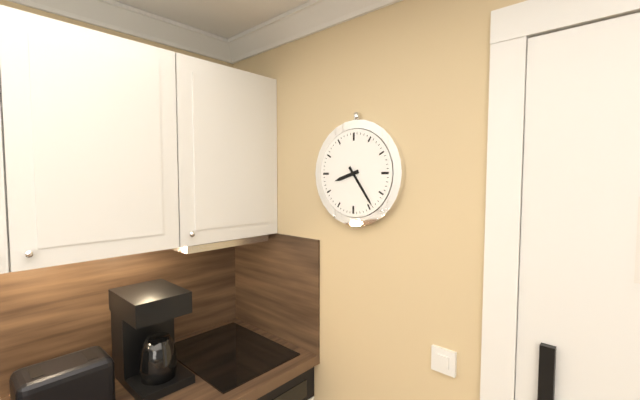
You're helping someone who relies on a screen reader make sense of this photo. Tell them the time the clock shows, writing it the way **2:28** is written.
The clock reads **8:24**
